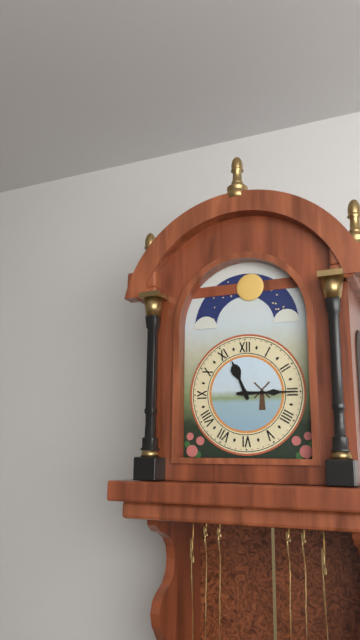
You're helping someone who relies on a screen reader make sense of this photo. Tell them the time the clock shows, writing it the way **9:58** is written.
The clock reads **11:15**
